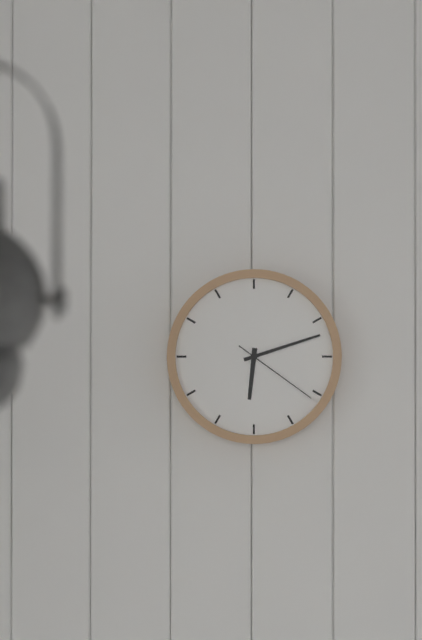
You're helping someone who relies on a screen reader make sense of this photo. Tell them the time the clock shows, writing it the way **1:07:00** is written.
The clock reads **6:12:21**
